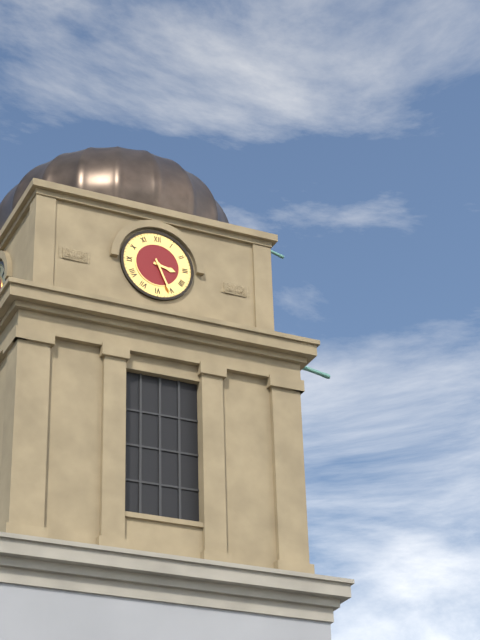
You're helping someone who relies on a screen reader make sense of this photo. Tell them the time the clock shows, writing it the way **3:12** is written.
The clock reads **3:26**
